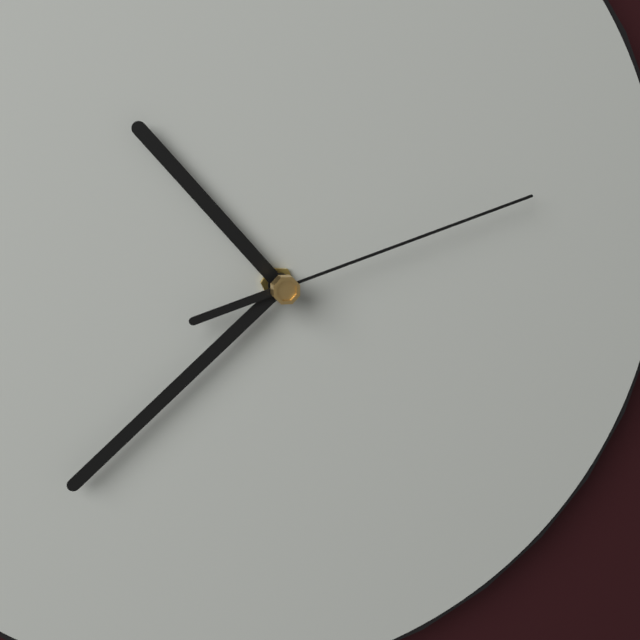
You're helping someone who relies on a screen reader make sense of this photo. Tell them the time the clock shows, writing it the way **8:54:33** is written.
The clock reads **10:38:12**
